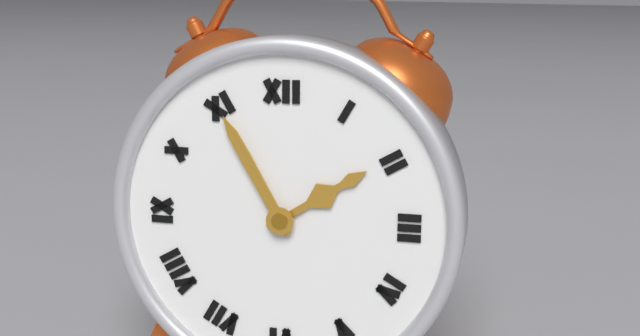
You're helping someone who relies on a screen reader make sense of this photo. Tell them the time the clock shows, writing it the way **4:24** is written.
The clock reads **1:55**
